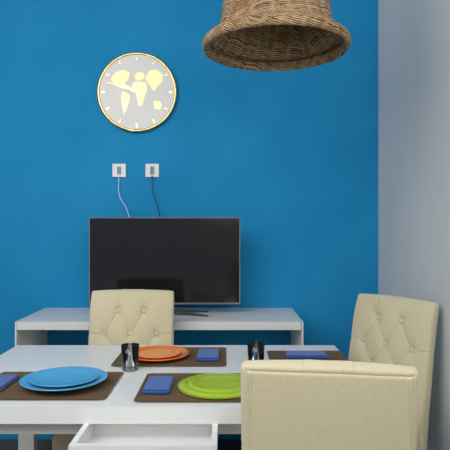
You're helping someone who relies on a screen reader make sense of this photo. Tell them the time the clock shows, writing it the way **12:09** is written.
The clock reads **9:48**
